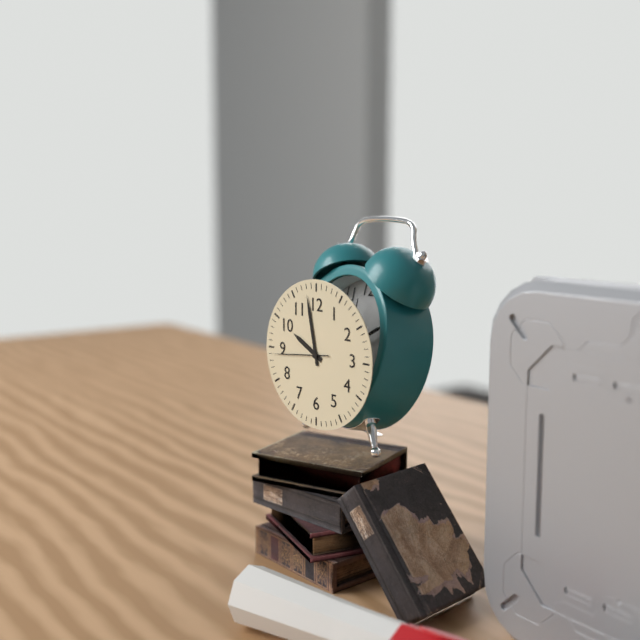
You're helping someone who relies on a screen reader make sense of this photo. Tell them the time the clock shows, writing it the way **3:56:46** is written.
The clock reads **9:58:44**
